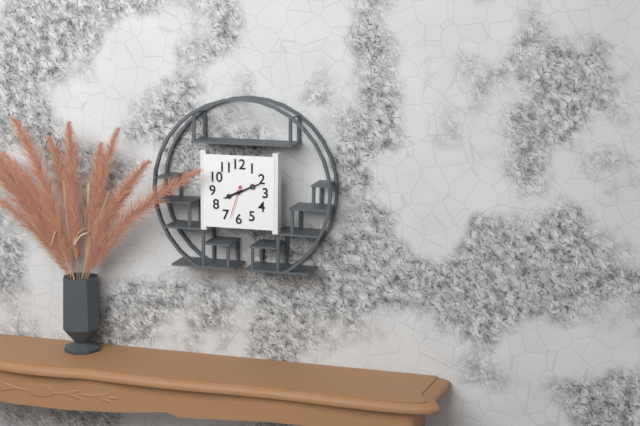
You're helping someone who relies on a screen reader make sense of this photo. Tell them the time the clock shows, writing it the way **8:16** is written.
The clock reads **8:11**
